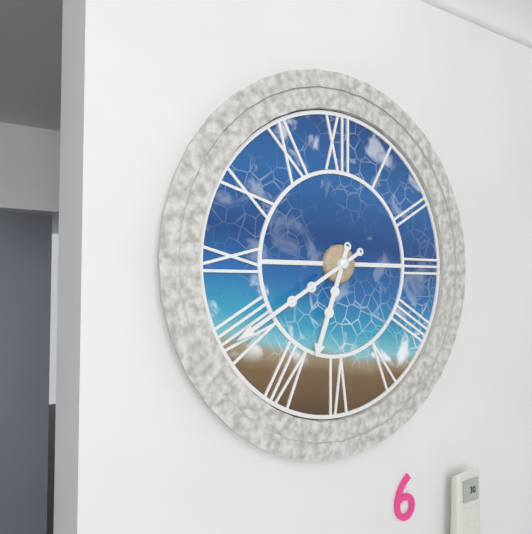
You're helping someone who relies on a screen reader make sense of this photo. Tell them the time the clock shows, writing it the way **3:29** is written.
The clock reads **6:40**
